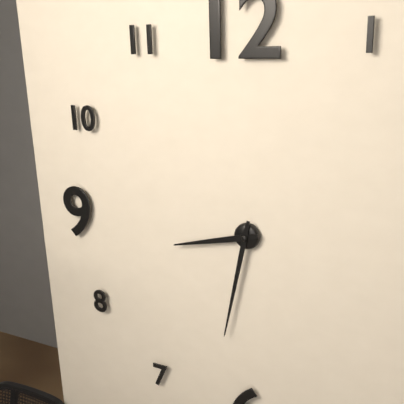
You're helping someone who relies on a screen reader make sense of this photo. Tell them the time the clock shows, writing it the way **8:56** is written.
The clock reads **8:32**
